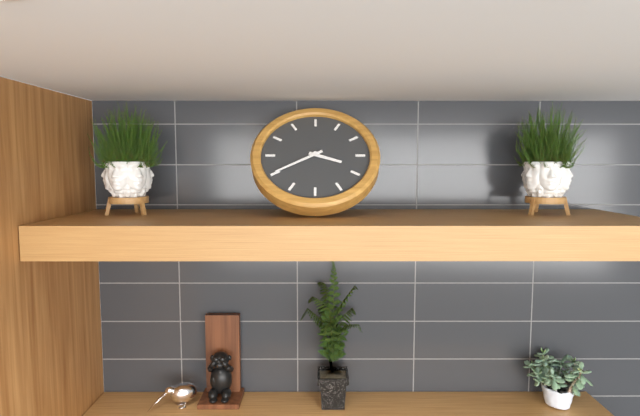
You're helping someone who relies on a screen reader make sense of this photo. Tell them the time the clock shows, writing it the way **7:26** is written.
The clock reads **3:40**
